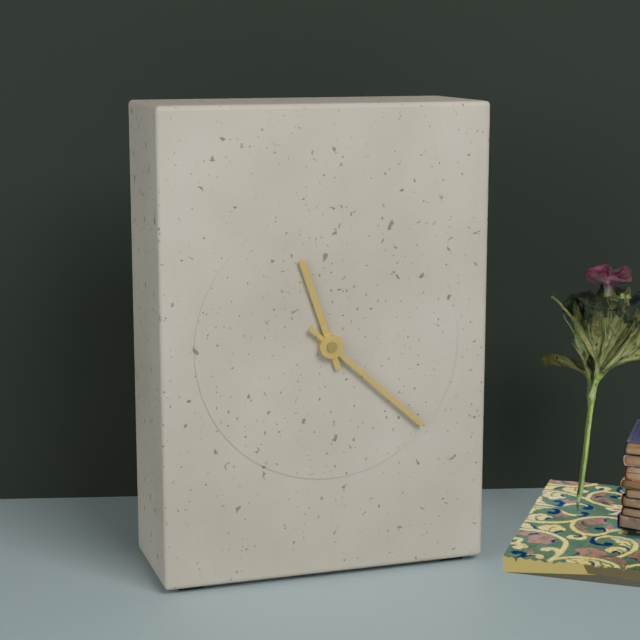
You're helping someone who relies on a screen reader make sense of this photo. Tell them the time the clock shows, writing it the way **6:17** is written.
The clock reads **11:22**
